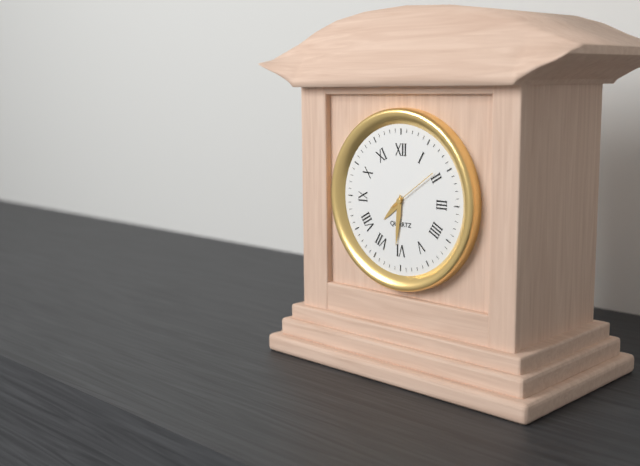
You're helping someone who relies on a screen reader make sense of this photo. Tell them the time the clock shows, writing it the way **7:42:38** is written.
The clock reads **7:31:09**
